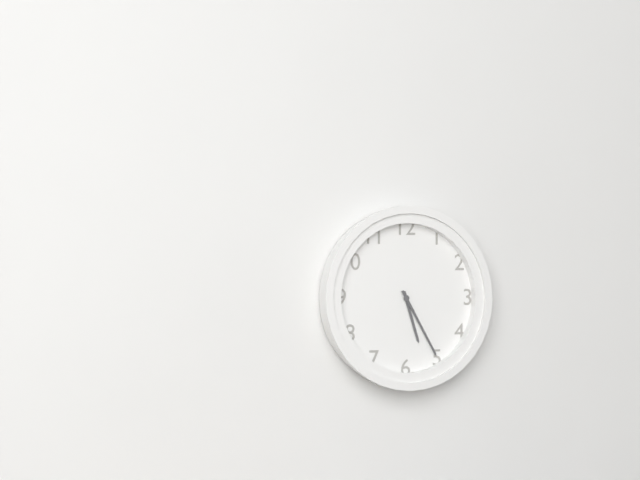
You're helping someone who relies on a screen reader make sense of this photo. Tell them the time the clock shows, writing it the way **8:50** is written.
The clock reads **5:25**
